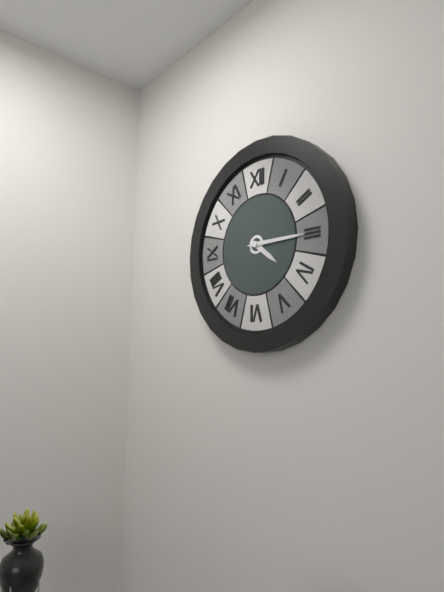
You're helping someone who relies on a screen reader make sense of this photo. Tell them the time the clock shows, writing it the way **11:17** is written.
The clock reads **4:15**
